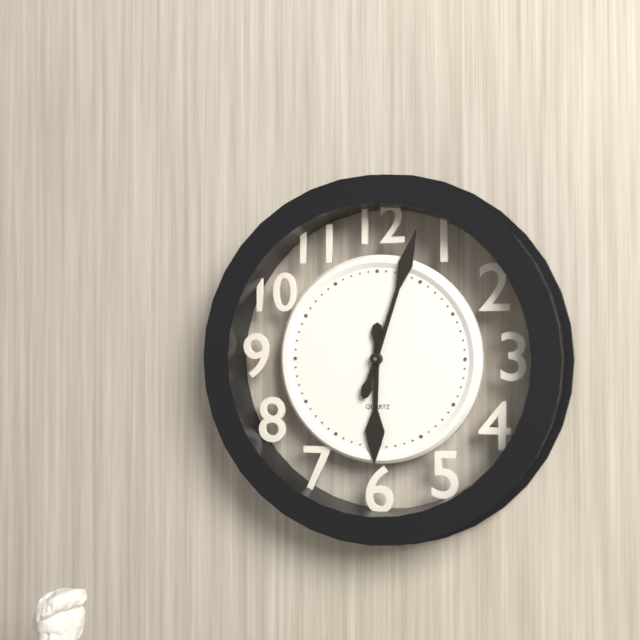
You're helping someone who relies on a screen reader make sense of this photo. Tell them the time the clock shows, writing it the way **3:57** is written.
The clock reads **6:03**
